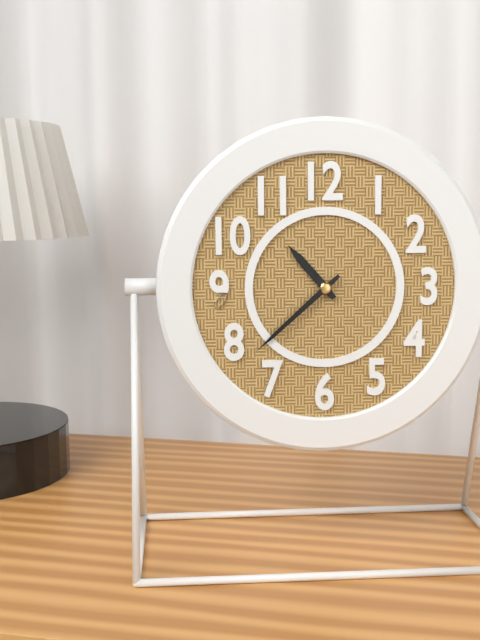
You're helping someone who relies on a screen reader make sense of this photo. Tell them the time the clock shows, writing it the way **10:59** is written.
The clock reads **10:38**
